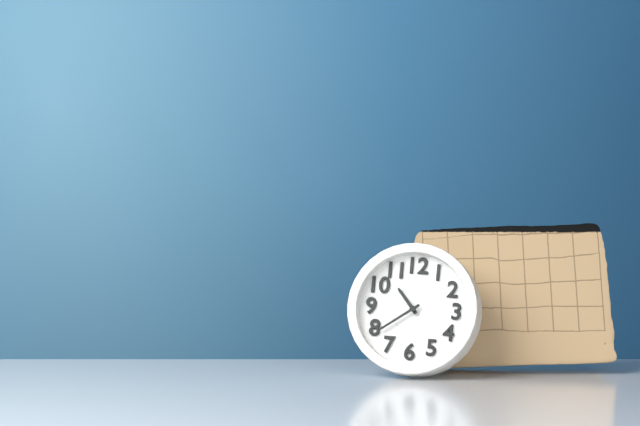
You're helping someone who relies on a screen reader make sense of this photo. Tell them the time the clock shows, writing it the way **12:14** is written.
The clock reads **10:39**
